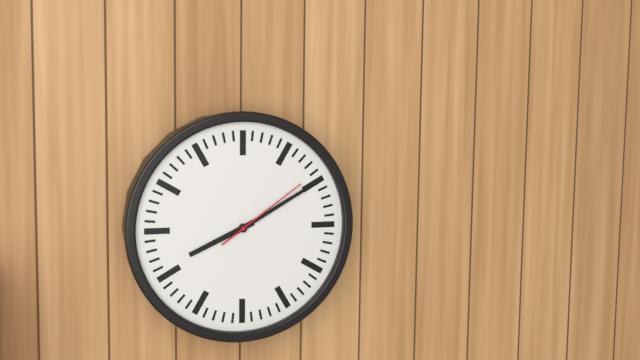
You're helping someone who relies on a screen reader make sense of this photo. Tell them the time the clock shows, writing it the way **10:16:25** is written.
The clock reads **8:10:09**
